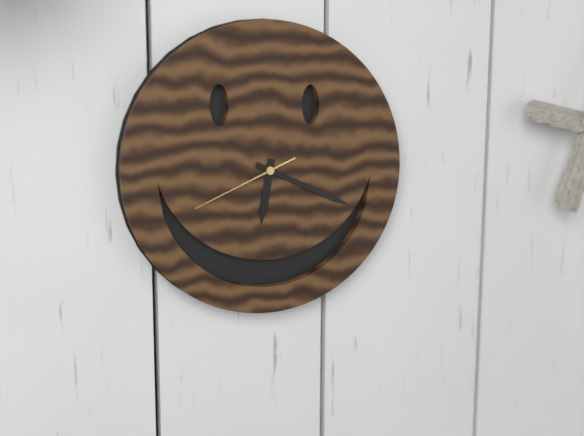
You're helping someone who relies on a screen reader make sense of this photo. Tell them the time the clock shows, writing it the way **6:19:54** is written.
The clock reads **6:19:41**
